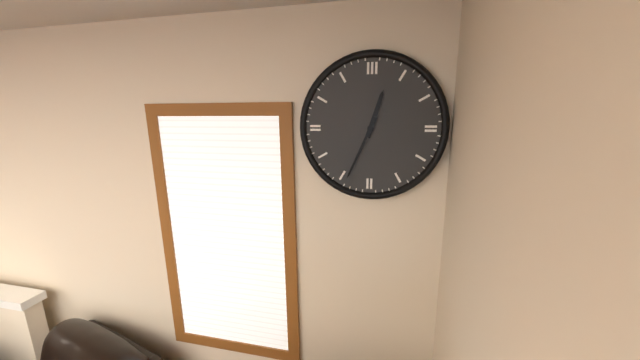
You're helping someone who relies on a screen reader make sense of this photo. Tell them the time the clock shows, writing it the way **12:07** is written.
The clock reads **12:34**
